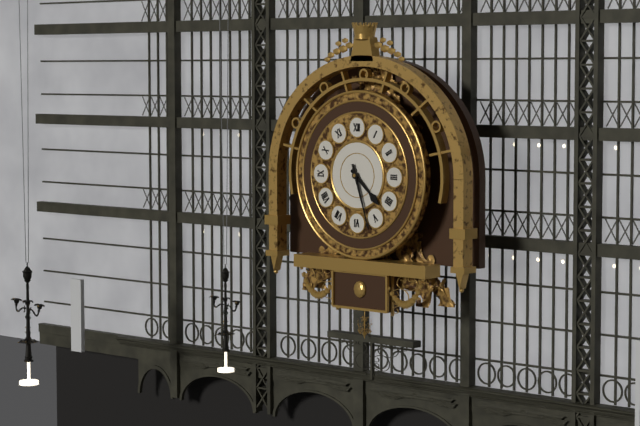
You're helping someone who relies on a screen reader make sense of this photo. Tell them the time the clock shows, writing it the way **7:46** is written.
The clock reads **4:27**
